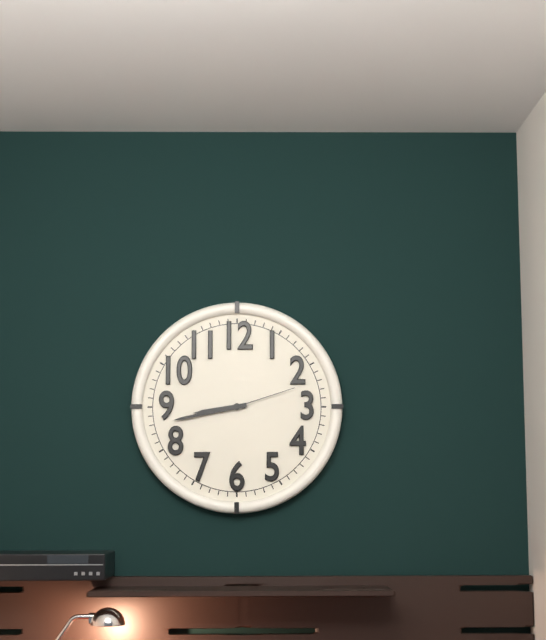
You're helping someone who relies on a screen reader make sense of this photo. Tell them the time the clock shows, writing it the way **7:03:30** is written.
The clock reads **8:43:12**
